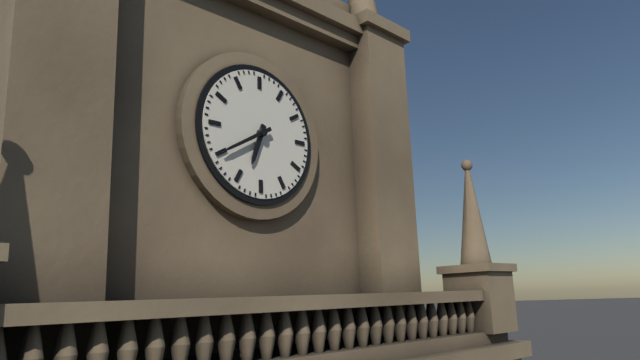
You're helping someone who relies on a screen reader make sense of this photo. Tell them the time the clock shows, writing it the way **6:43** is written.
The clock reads **6:40**
